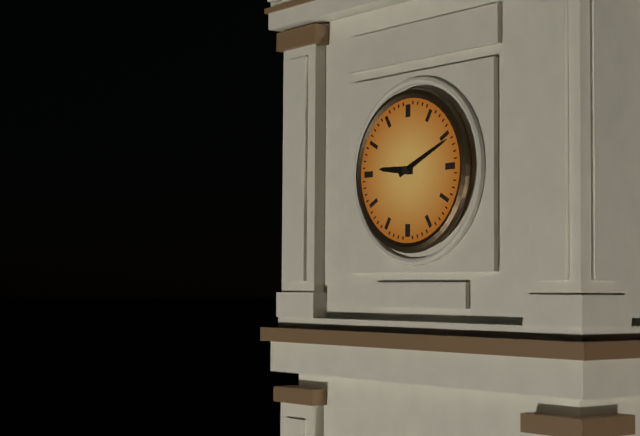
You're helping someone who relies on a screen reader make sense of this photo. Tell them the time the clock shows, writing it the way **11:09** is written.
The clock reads **9:11**
